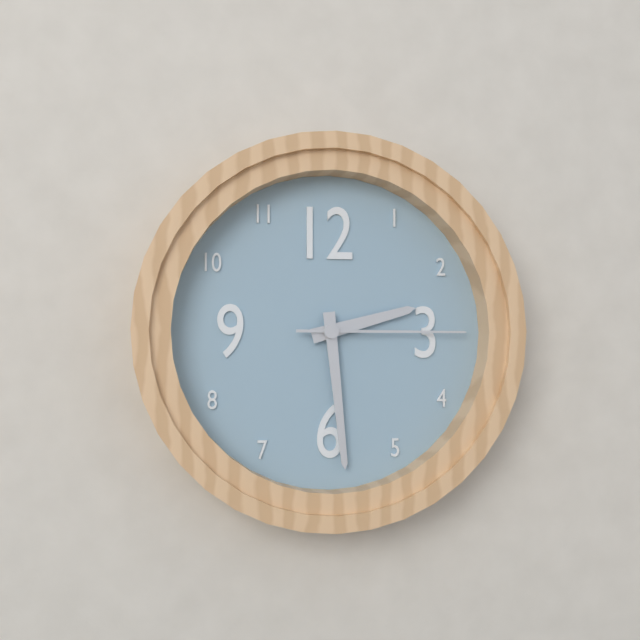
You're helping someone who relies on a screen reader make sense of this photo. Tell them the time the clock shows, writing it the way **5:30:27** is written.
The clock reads **2:29:15**
